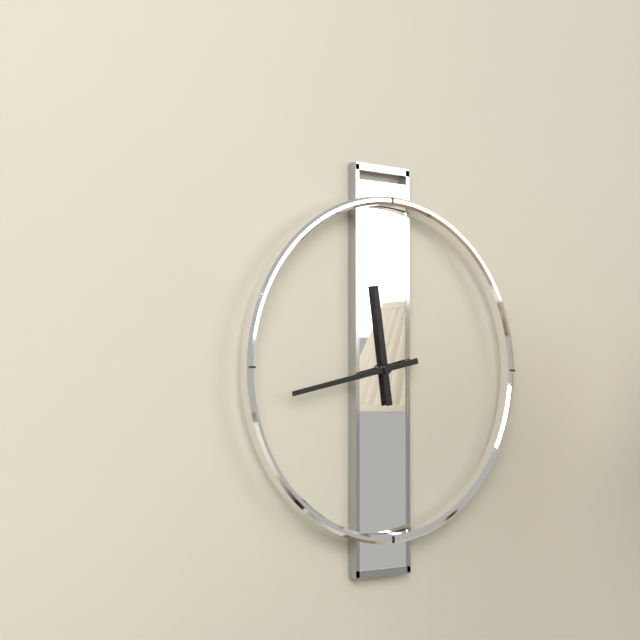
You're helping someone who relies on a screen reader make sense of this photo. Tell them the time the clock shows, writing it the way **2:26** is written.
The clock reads **11:43**
